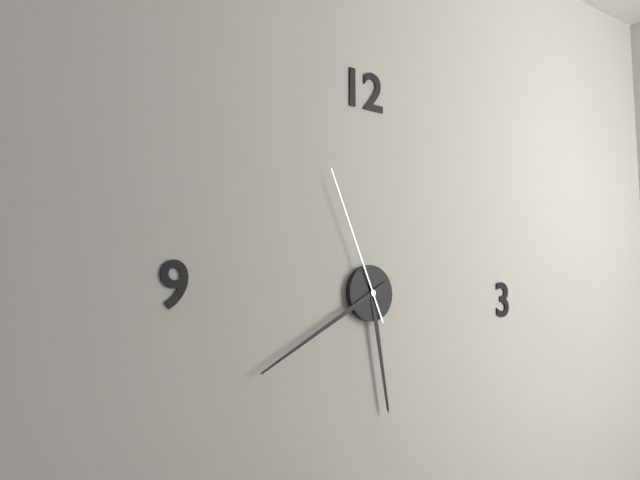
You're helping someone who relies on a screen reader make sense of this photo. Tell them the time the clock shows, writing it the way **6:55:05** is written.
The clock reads **5:40:56**
